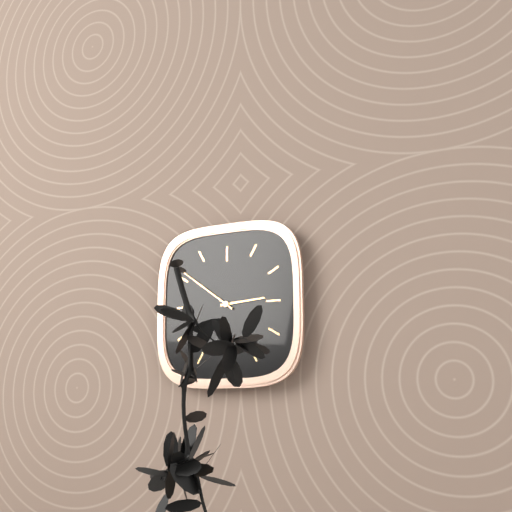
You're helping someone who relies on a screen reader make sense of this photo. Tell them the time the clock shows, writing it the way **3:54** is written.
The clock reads **2:51**
